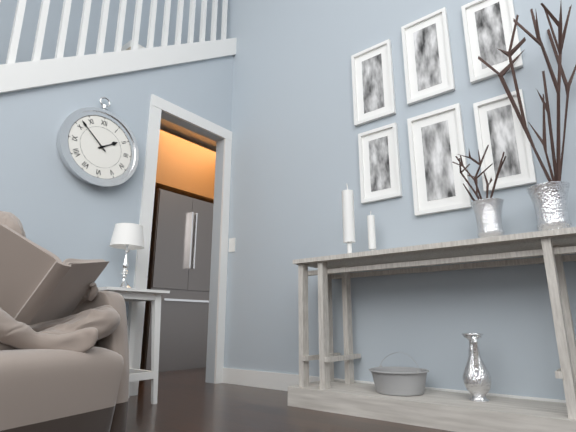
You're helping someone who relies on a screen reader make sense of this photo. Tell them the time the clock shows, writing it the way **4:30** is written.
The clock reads **1:52**
